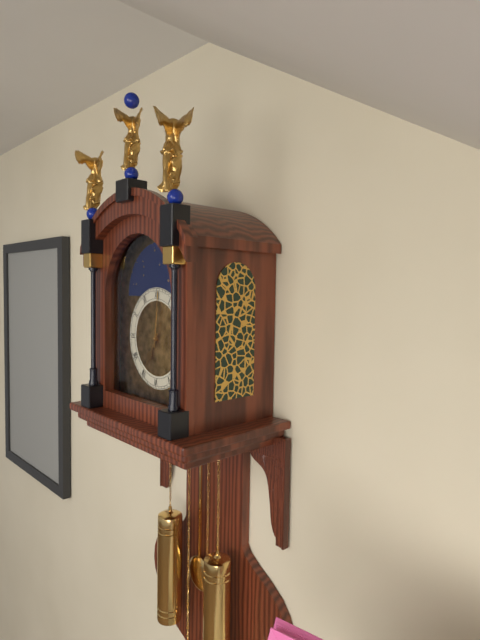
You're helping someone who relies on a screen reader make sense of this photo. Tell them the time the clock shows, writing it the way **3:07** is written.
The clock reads **7:01**
